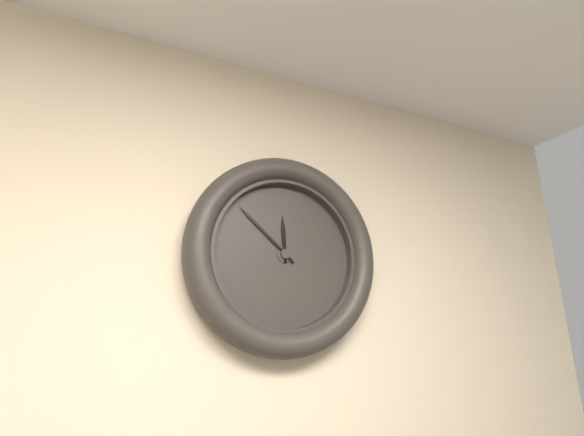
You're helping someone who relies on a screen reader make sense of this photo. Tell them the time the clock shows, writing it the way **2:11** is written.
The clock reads **11:52**
